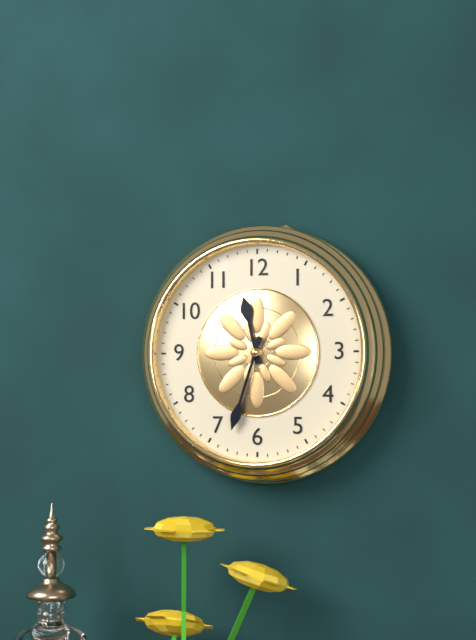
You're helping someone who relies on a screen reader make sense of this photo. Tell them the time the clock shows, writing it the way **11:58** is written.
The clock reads **11:33**
